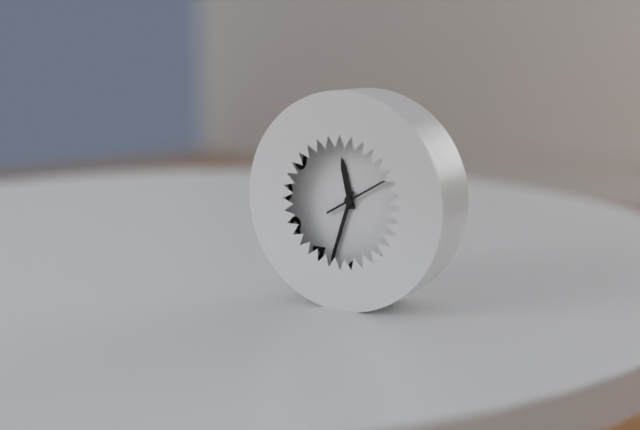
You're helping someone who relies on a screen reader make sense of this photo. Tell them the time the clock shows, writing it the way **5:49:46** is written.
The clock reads **11:33:10**
